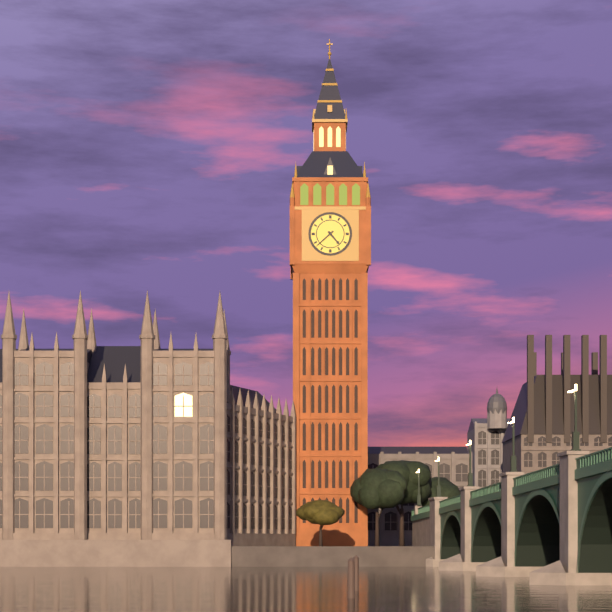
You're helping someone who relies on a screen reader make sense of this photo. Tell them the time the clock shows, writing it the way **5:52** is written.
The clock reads **4:38**
